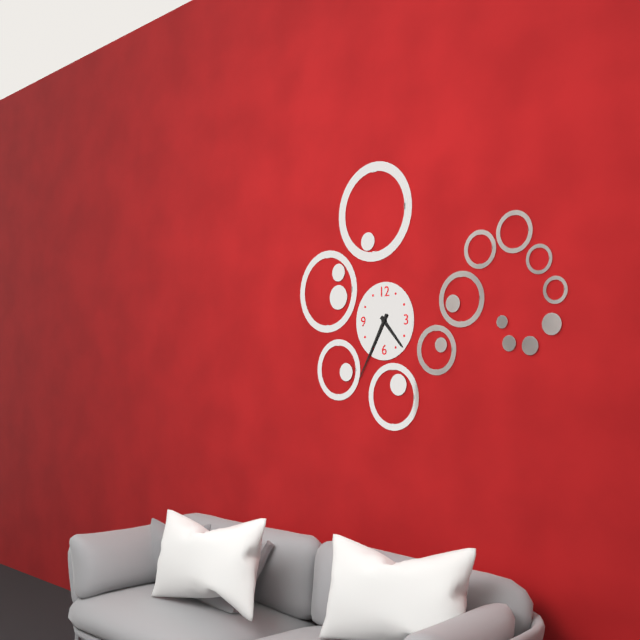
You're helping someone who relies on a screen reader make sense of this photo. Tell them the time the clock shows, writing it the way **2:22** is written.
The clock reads **4:35**
